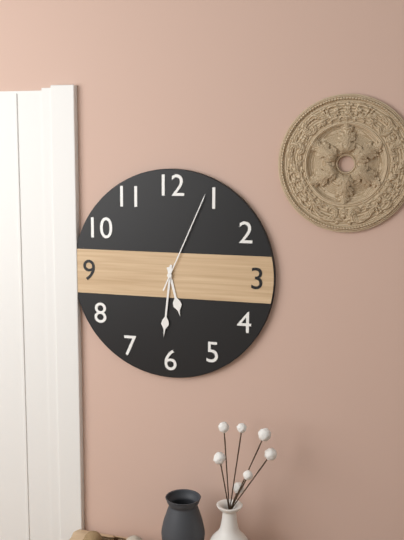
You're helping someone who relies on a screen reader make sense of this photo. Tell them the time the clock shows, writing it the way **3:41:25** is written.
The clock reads **5:31:04**
